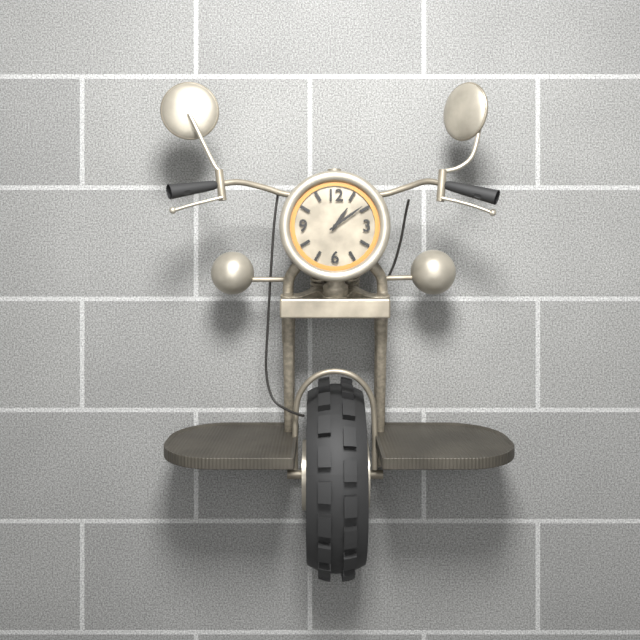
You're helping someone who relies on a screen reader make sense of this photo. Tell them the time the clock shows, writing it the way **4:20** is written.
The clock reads **1:09**
